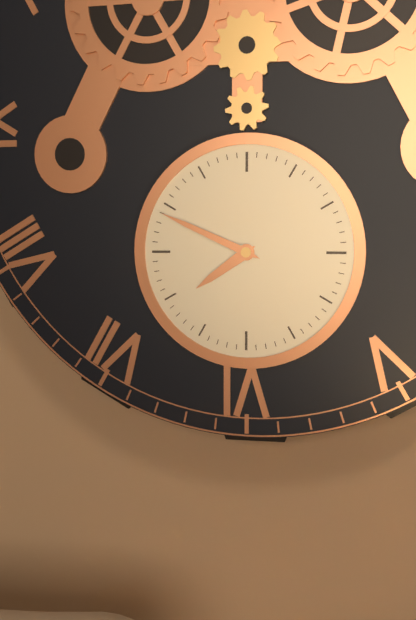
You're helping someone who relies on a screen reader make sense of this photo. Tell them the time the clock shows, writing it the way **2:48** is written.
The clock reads **7:49**
